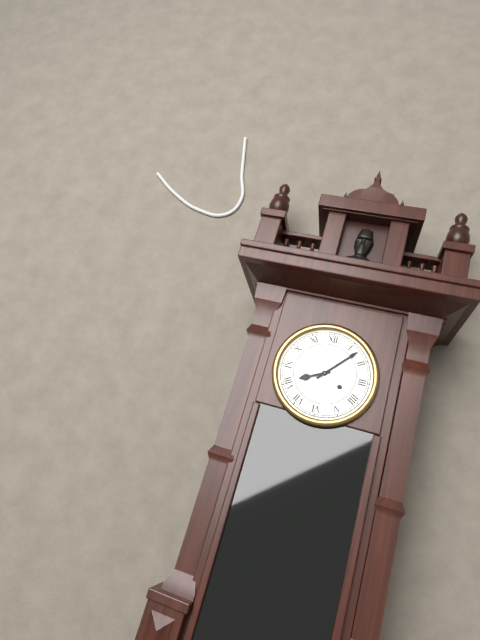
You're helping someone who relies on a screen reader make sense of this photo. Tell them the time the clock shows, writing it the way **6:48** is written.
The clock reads **8:07**
